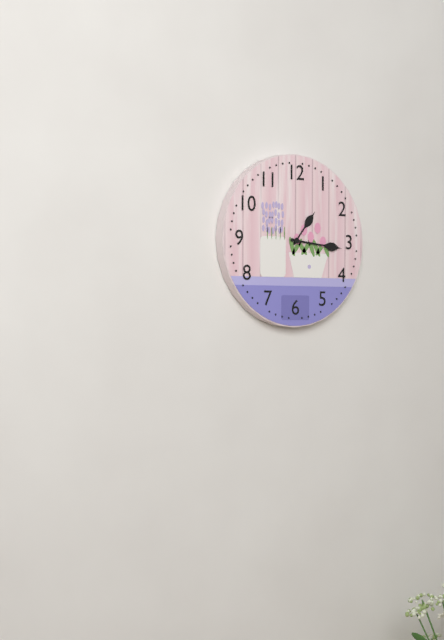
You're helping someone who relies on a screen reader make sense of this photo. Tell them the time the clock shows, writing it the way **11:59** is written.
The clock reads **1:16**
